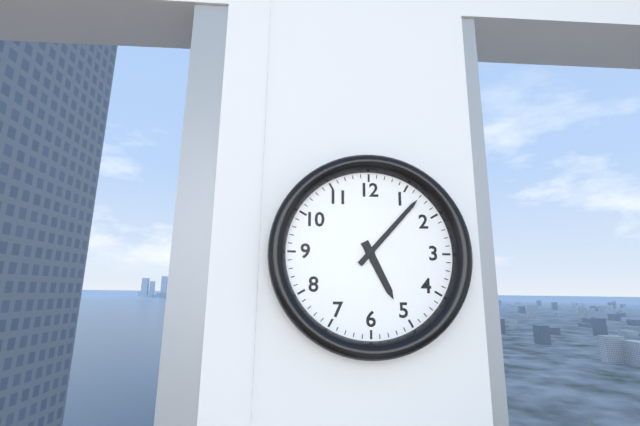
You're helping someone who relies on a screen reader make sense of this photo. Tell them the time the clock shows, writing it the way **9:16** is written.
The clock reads **5:07**
